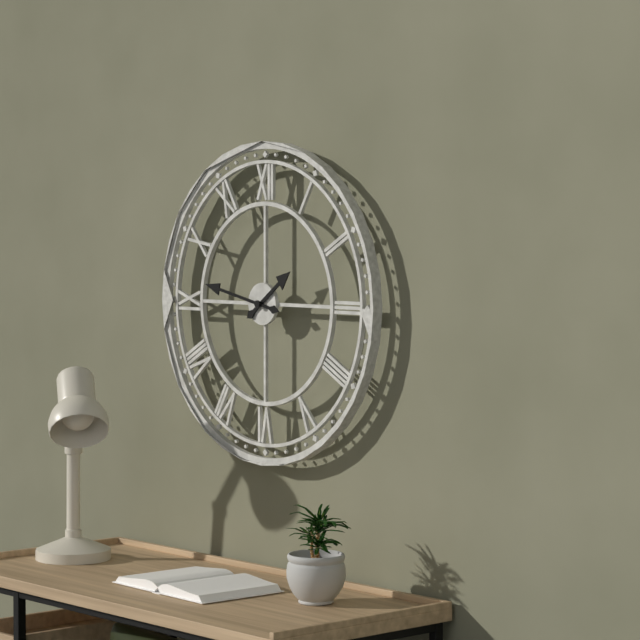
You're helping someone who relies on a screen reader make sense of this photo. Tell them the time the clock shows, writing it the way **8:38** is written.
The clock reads **1:47**
